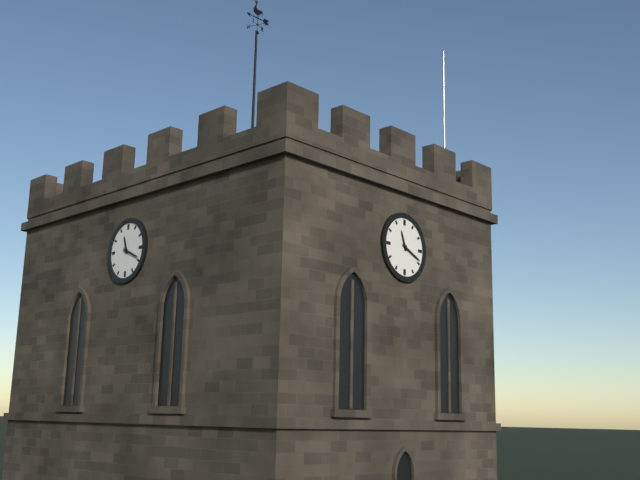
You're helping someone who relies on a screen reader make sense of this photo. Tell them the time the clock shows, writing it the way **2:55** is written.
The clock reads **11:19**
